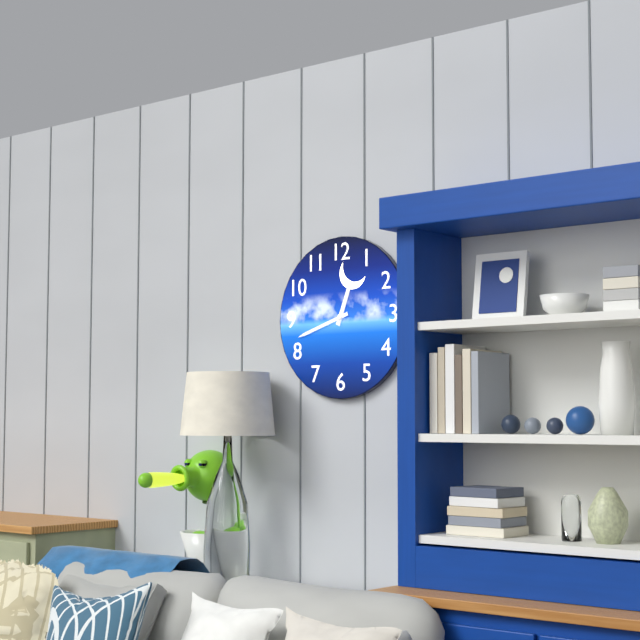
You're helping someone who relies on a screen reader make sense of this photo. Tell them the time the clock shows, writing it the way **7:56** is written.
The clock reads **12:42**
